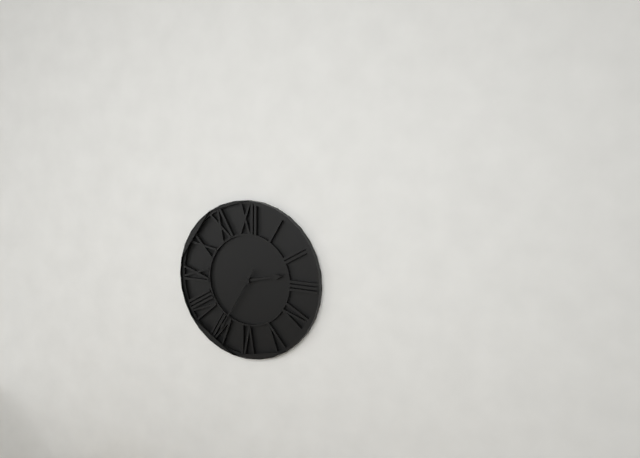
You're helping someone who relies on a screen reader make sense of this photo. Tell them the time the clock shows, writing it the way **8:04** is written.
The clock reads **2:35**
